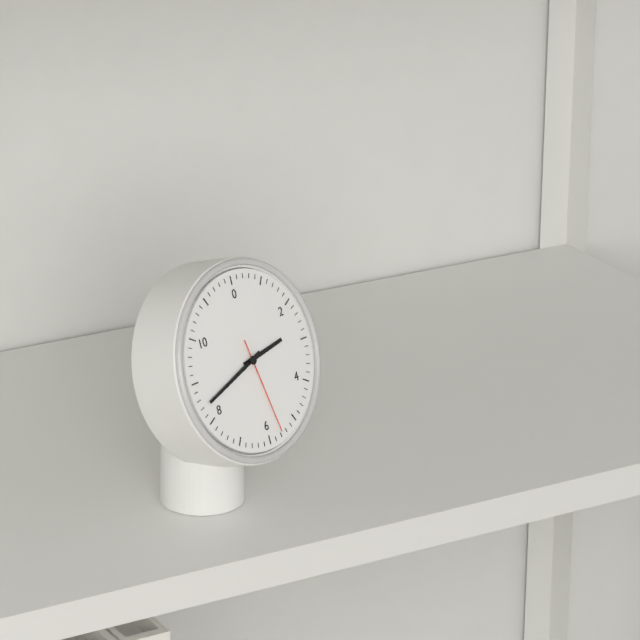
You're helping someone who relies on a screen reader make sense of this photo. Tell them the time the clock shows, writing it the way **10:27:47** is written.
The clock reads **2:42:28**
